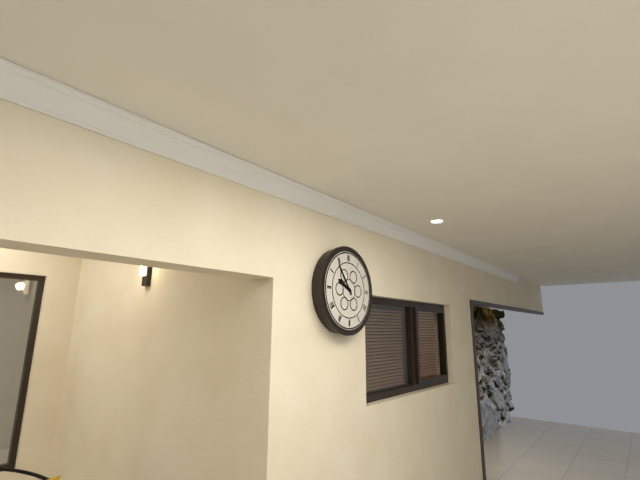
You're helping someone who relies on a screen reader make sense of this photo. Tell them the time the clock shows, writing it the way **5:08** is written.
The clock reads **9:54**
